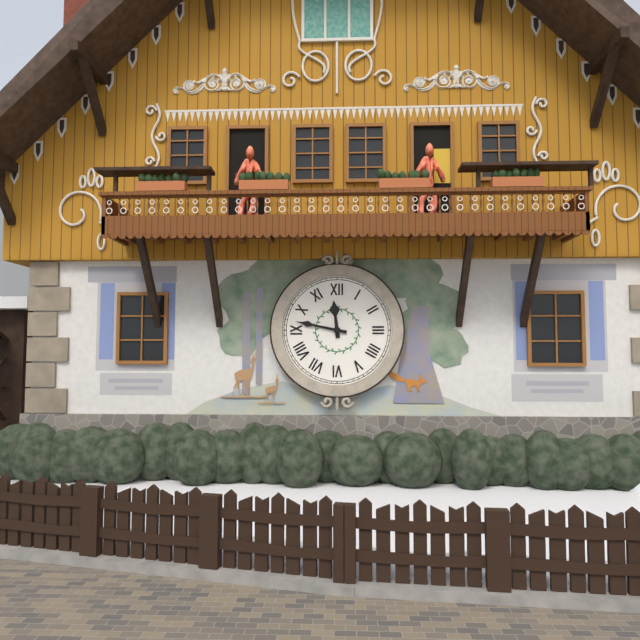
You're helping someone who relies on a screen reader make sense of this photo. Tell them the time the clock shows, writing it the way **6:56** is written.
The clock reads **11:47**
